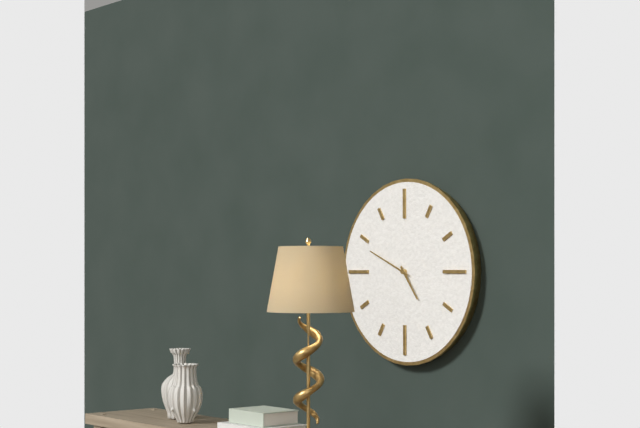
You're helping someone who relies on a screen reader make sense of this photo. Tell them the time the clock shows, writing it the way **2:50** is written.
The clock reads **4:49**
